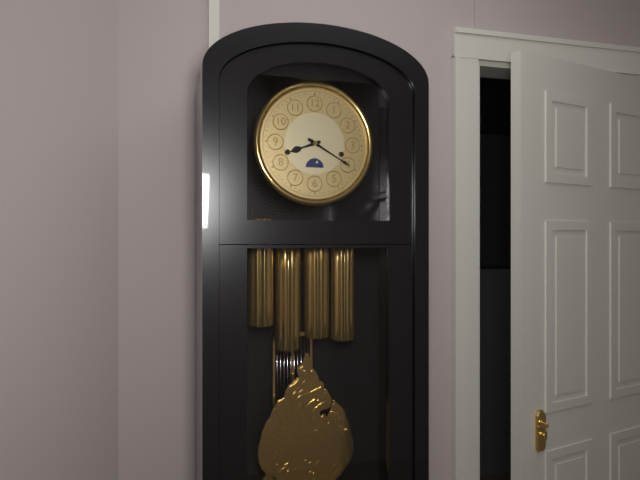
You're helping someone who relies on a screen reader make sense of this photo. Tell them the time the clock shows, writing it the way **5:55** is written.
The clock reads **8:20**
